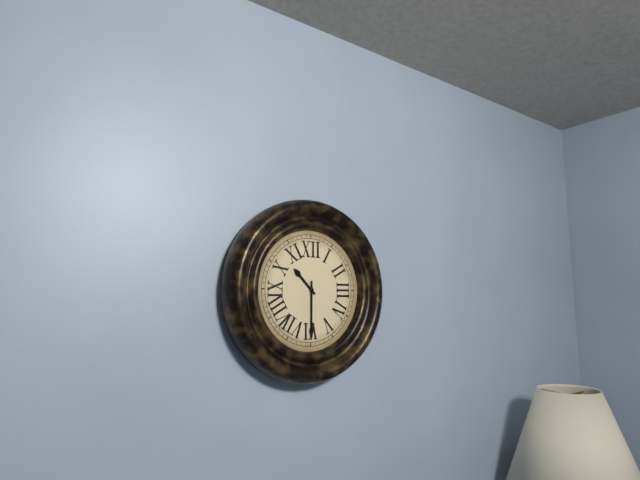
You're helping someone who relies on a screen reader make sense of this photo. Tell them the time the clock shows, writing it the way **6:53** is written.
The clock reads **10:30**
